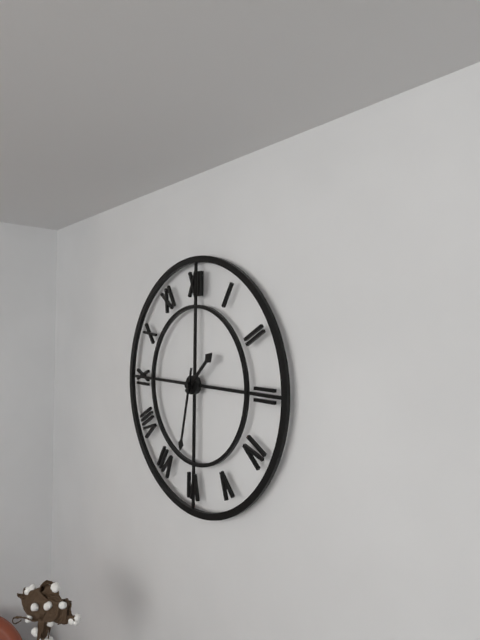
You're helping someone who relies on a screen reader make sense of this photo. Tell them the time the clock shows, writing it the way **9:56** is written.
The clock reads **1:32**
